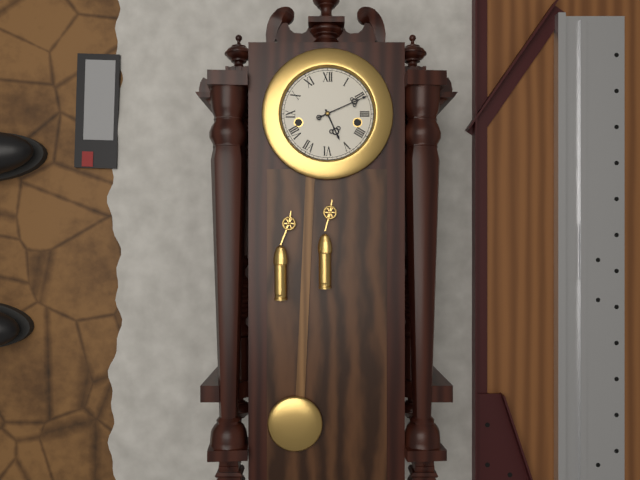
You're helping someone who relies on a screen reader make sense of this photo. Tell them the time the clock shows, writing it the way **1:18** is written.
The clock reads **5:11**
